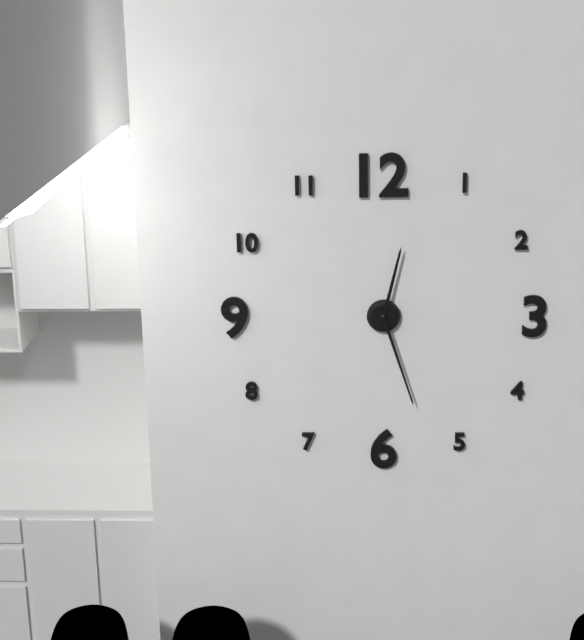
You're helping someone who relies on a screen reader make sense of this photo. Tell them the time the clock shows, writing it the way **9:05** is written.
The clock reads **12:27**
